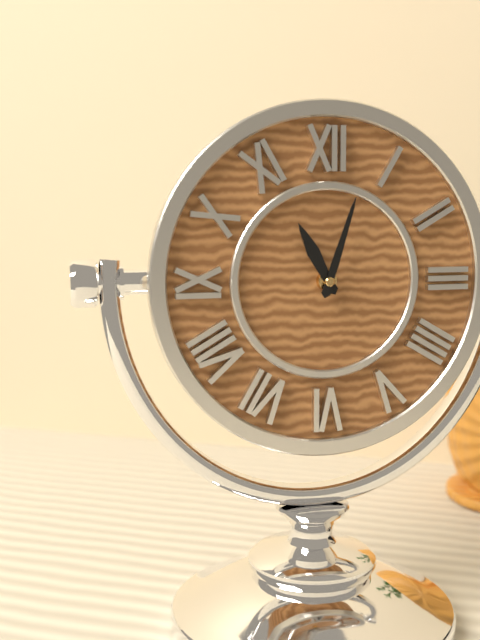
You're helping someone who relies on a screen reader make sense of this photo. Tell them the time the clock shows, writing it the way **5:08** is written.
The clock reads **11:03**
